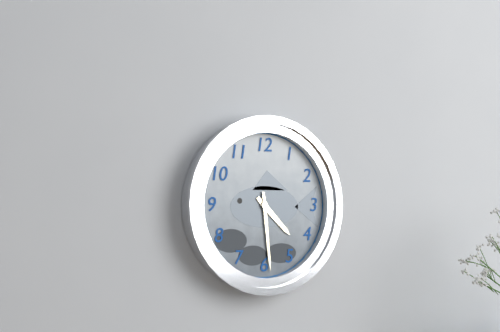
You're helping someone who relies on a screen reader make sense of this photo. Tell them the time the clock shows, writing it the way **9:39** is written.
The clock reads **4:29**
